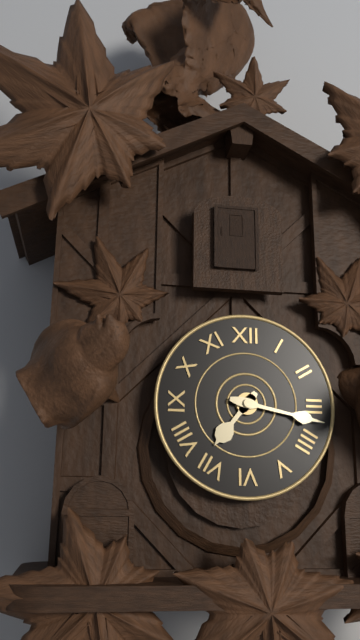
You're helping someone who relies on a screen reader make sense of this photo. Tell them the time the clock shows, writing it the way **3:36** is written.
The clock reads **7:17**
